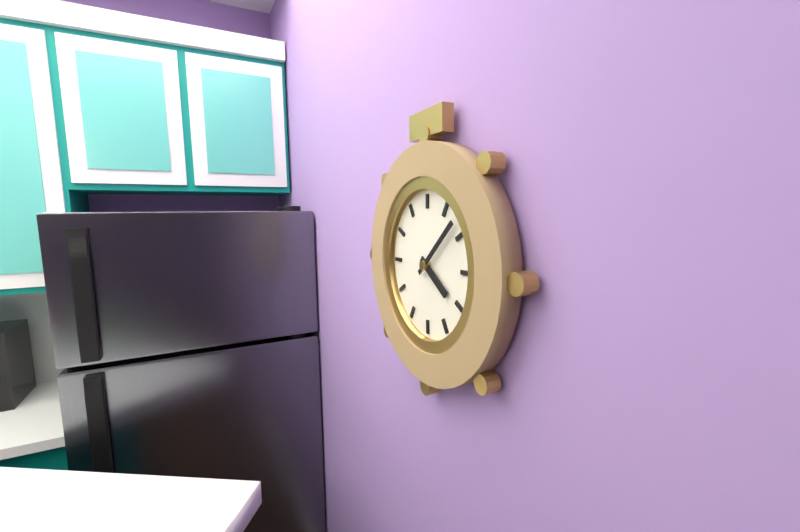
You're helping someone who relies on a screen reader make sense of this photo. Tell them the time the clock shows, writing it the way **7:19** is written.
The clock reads **4:08**
